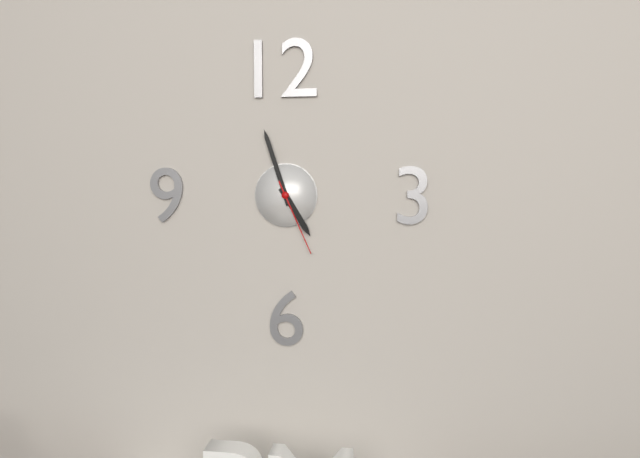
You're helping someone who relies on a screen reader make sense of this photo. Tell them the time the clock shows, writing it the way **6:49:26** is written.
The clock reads **4:57:26**
